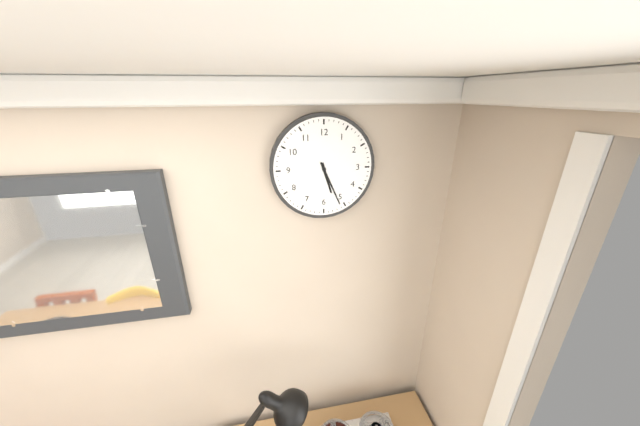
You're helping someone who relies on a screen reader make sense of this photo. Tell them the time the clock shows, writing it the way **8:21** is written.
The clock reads **5:26**
